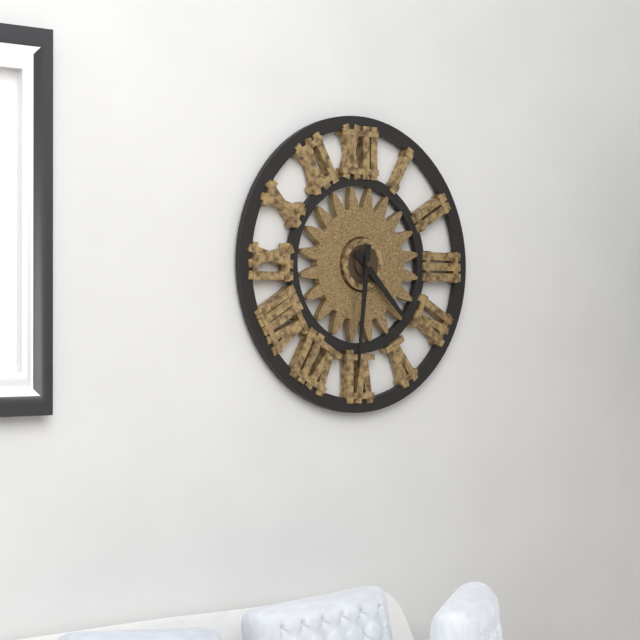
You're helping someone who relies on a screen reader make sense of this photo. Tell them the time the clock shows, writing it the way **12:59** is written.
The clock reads **4:31**
